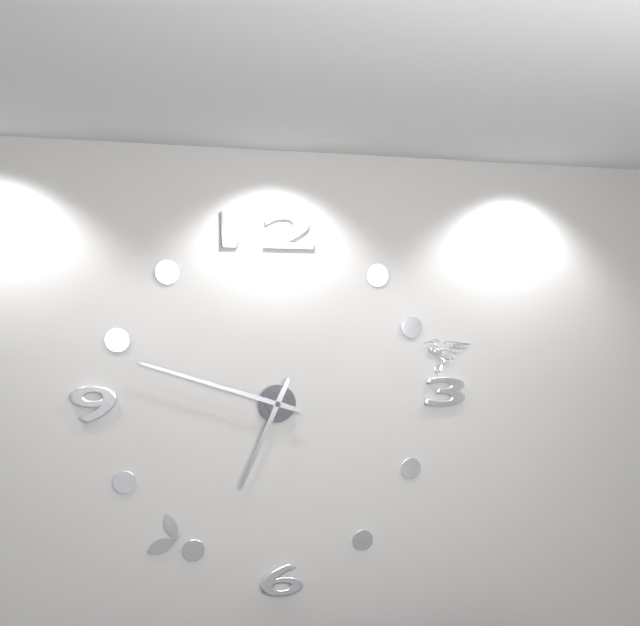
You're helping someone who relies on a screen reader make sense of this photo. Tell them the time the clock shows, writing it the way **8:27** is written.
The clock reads **6:48**
